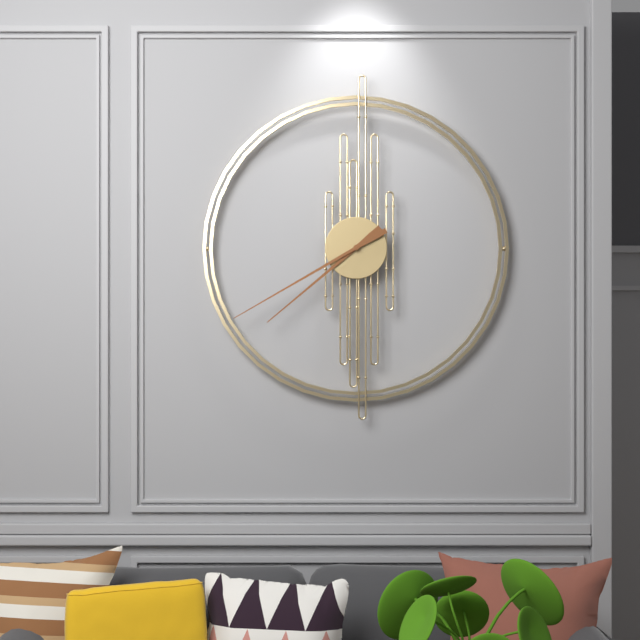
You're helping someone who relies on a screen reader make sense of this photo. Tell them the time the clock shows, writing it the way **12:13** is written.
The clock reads **7:40**
